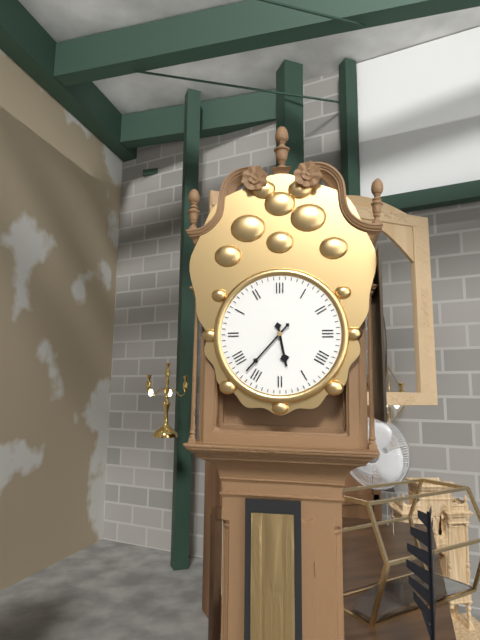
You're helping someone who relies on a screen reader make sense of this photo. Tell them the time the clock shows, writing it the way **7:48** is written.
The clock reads **5:37**
